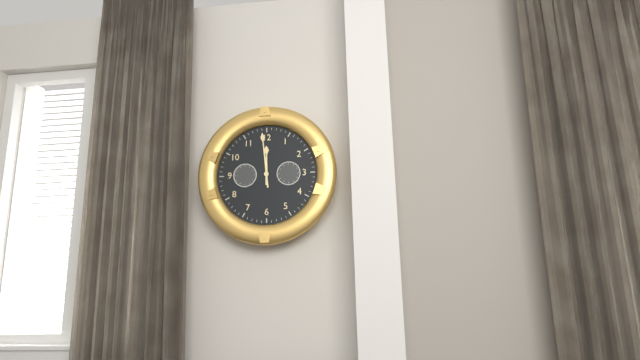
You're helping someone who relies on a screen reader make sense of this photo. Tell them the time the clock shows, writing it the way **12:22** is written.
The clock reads **11:59**
